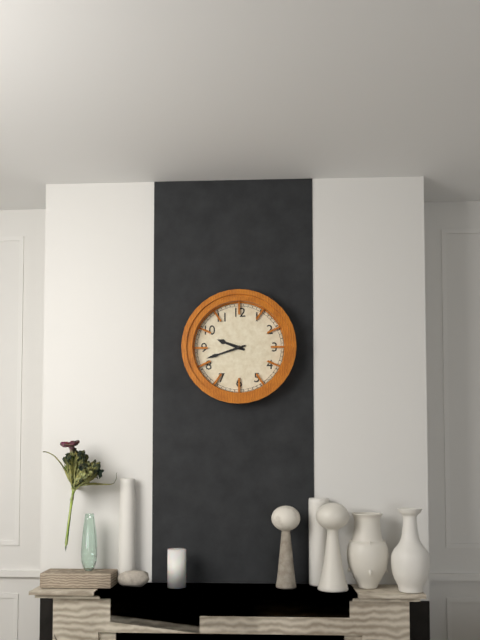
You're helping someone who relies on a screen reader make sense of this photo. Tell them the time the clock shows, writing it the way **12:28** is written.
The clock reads **9:42**
